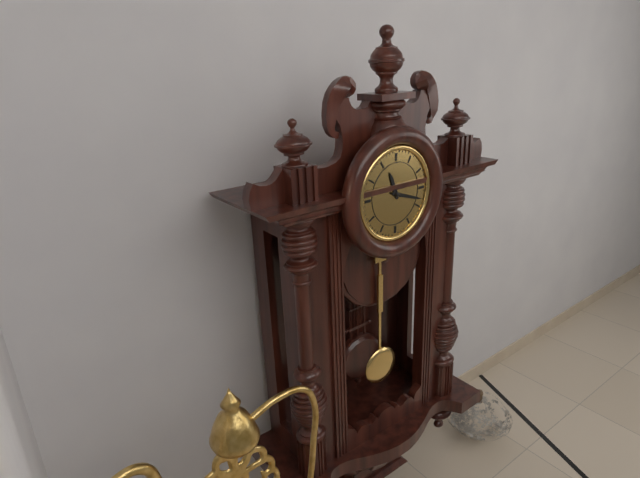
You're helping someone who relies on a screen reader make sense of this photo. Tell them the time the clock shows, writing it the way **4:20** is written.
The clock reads **11:18**
